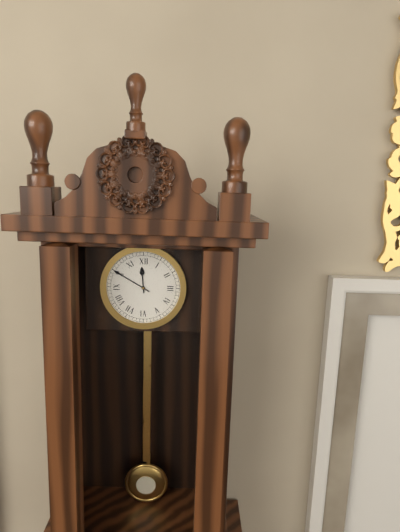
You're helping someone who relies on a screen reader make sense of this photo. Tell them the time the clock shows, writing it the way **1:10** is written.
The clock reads **11:50**
